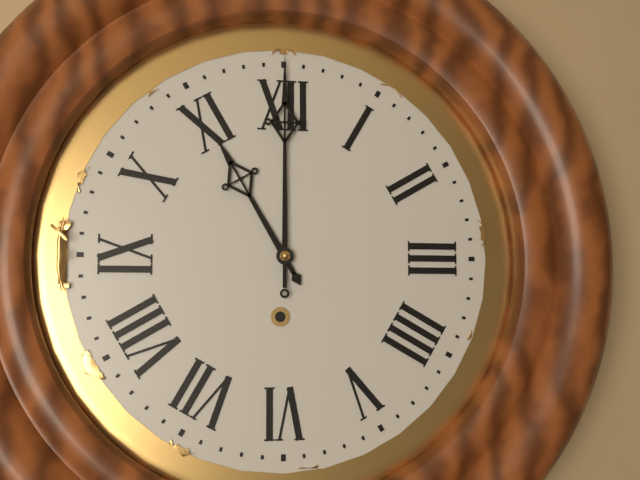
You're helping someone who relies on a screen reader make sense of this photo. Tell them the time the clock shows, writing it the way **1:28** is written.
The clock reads **11:00**
